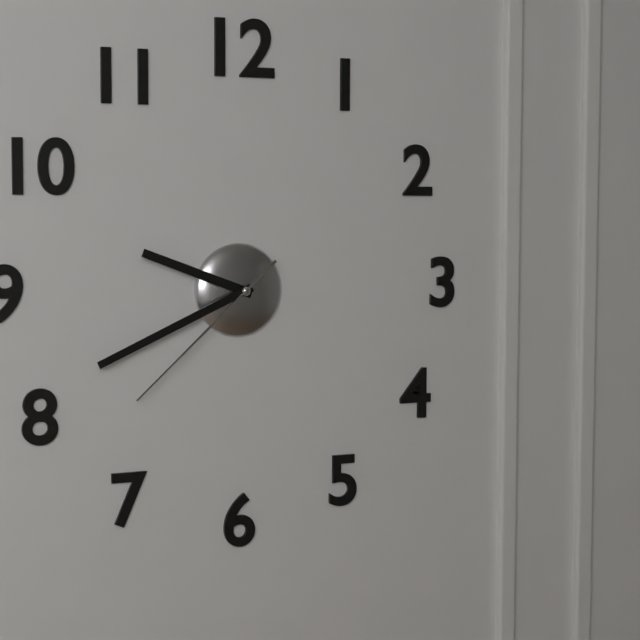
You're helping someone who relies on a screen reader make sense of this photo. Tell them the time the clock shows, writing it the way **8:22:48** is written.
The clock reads **9:41:38**
